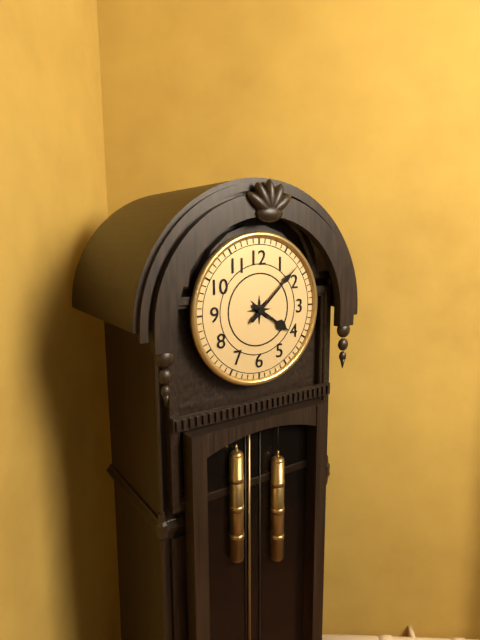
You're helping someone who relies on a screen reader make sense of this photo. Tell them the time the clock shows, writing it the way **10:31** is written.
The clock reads **4:08**
